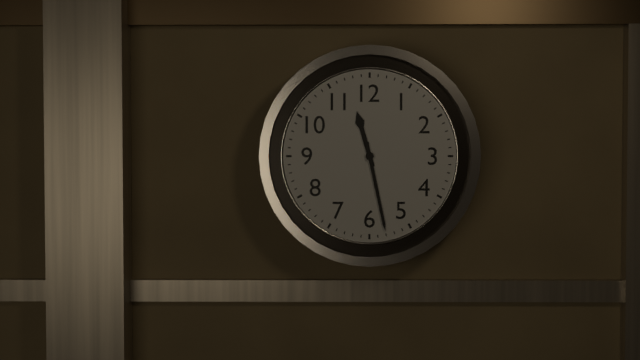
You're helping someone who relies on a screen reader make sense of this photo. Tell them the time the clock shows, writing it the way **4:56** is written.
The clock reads **11:28**
